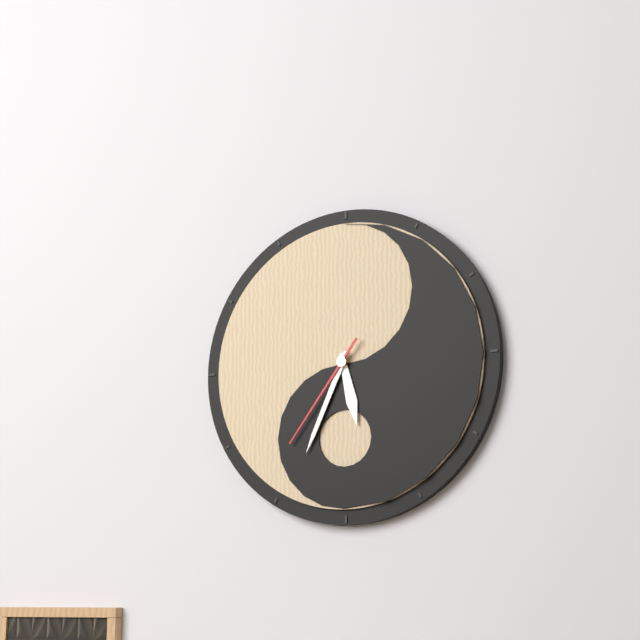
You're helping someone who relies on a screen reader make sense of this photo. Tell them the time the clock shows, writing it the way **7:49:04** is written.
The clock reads **5:34:36**
